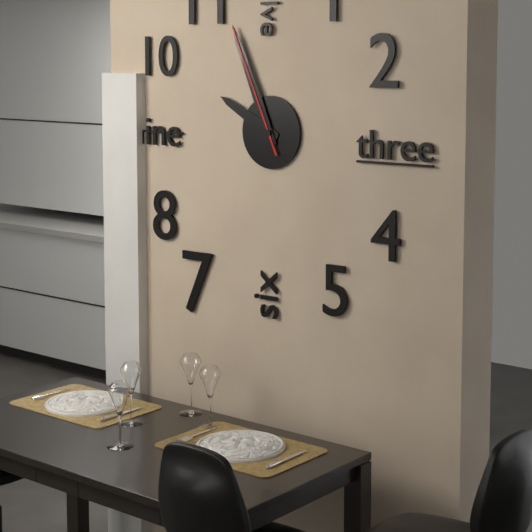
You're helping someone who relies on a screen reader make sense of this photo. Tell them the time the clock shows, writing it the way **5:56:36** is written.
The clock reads **9:56:56**
